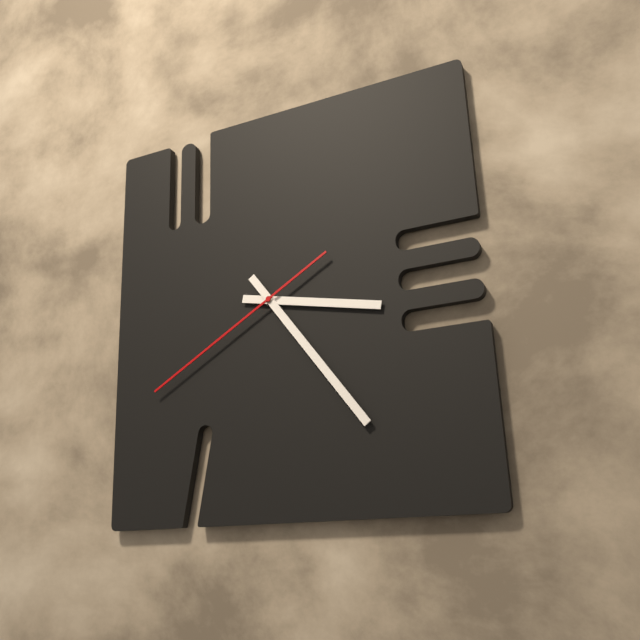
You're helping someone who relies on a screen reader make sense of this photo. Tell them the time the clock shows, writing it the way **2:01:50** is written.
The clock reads **3:24:40**
